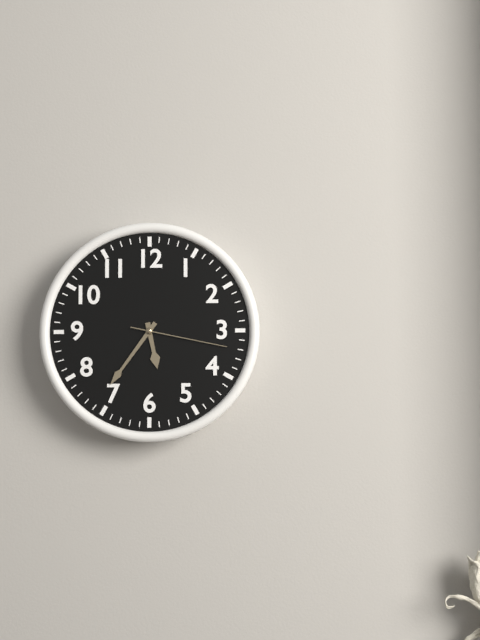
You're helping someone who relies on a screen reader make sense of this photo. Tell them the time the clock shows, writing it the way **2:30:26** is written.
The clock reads **5:36:17**
